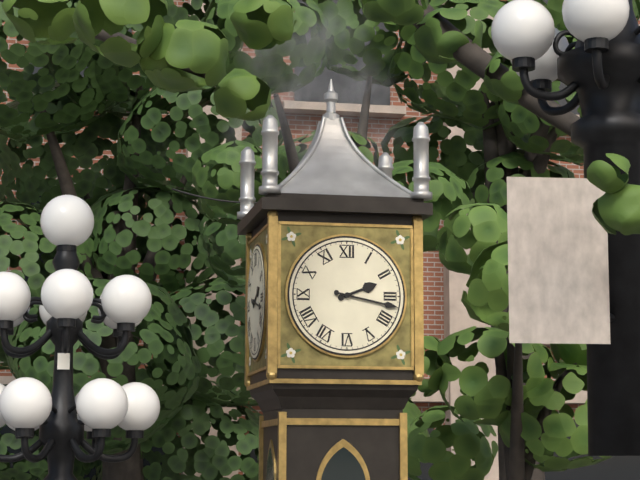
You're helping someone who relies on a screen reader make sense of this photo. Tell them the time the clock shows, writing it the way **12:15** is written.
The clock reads **2:17**
